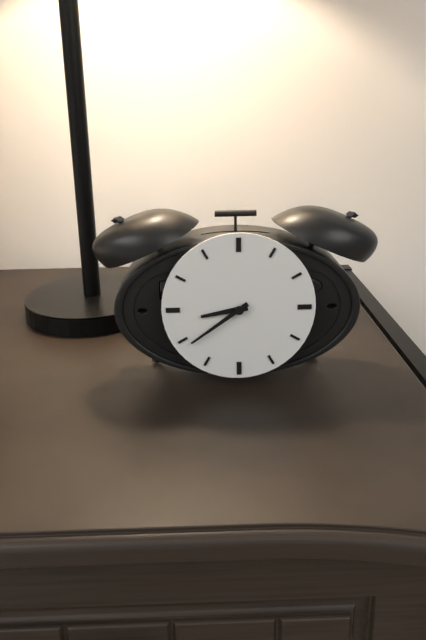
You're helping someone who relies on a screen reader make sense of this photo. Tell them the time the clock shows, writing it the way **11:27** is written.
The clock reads **8:39**
